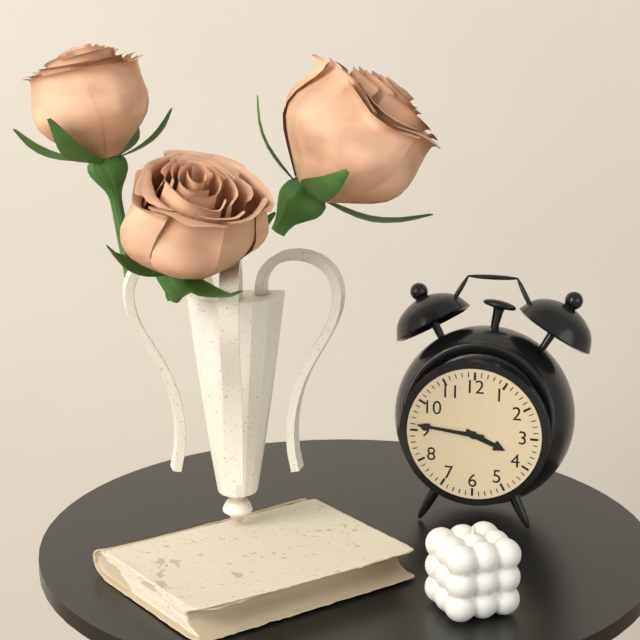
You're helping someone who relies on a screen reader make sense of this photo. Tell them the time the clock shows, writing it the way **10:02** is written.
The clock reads **3:46**
